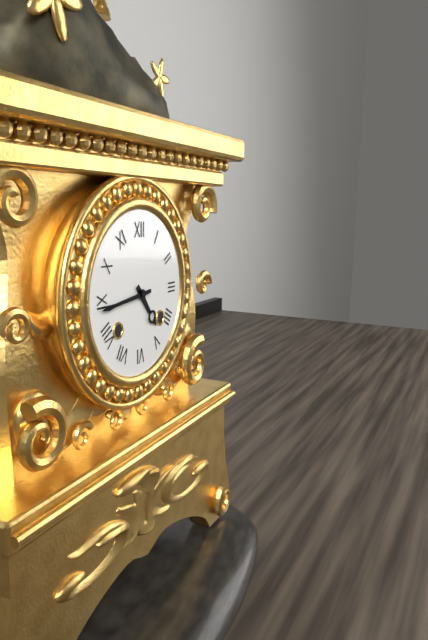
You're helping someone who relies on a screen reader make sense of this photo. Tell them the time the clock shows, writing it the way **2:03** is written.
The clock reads **4:44**
